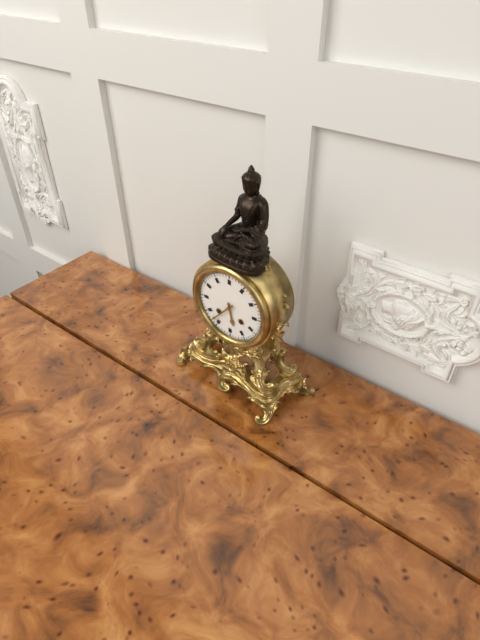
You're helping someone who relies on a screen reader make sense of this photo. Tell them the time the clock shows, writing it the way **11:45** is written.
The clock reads **5:37**
